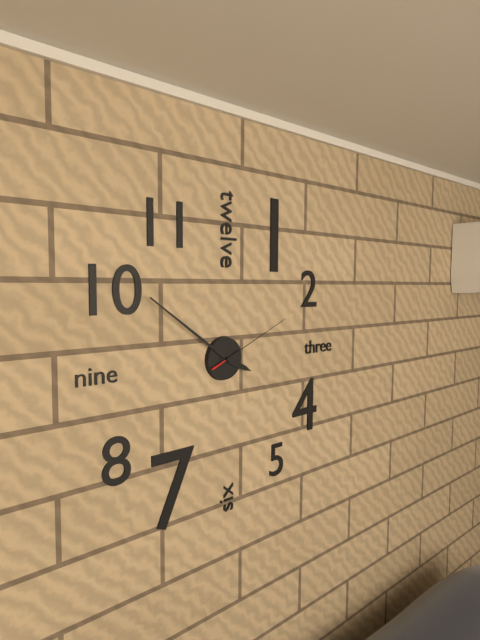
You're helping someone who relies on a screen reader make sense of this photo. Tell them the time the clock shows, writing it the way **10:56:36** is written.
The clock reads **3:51:11**
